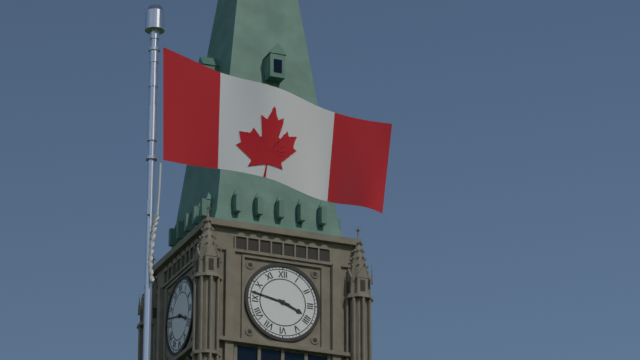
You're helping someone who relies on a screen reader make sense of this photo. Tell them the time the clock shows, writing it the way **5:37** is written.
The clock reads **3:47**
